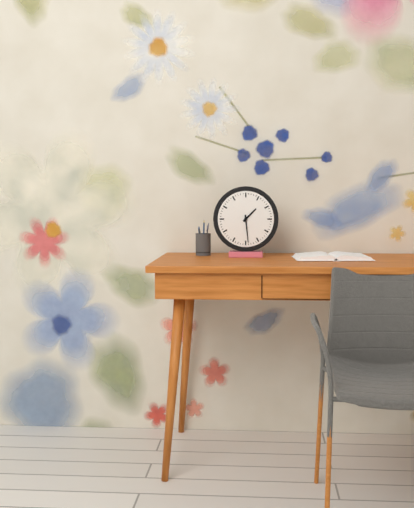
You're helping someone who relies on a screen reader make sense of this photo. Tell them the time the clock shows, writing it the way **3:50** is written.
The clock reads **1:29**
